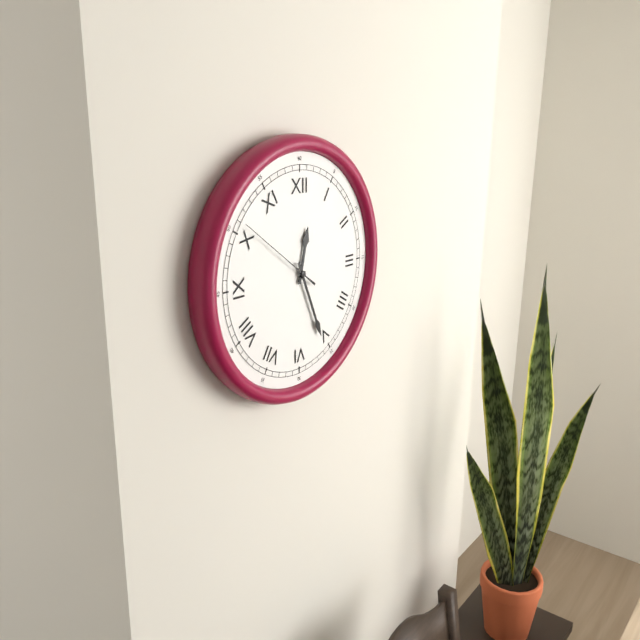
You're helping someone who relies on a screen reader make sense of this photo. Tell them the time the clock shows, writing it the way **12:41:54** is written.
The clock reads **12:26:51**
